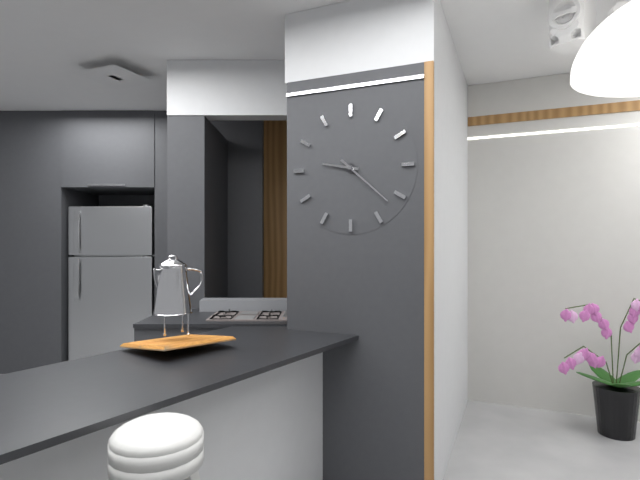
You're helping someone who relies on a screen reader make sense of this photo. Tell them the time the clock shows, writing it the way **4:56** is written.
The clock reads **9:22**
